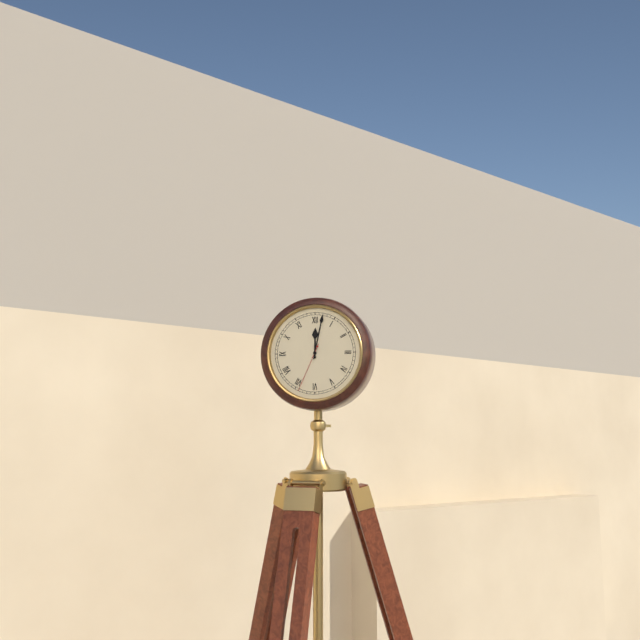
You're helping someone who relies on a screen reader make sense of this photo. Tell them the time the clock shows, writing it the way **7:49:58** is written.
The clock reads **12:02:34**
